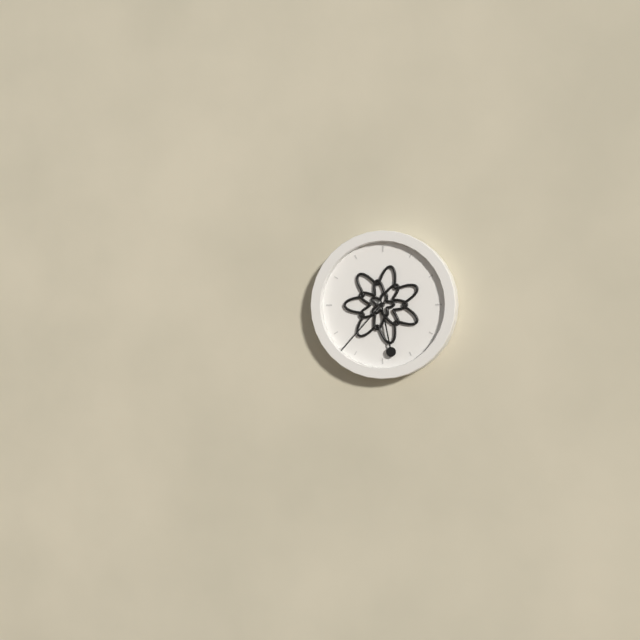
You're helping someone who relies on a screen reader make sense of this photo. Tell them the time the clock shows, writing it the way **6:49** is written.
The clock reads **5:37**
